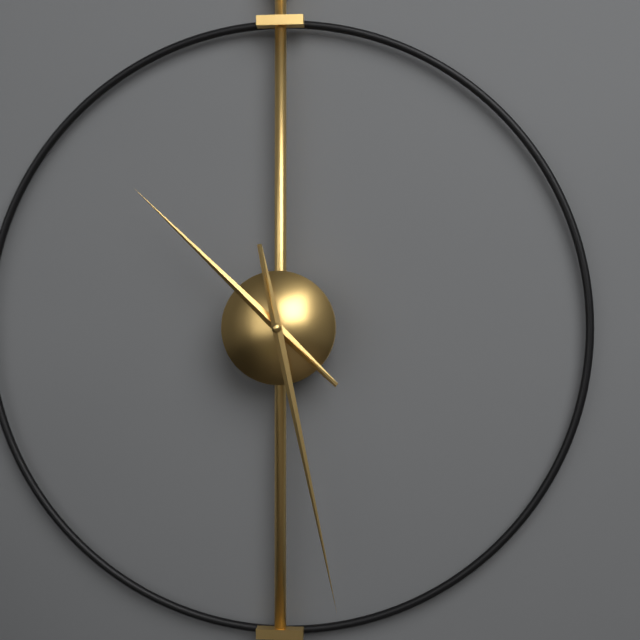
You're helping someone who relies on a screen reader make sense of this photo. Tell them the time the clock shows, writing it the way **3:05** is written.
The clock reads **10:28**
